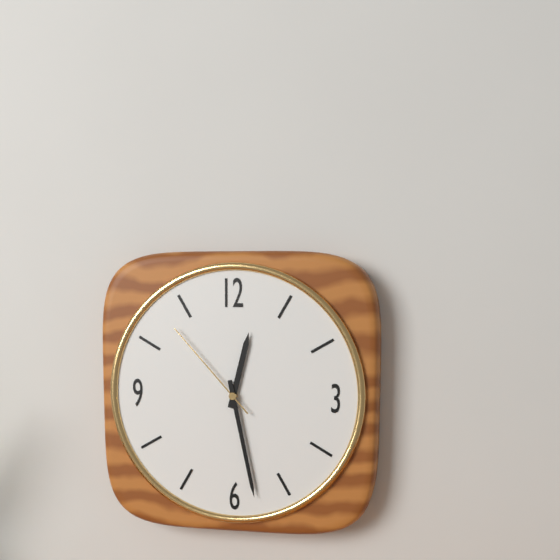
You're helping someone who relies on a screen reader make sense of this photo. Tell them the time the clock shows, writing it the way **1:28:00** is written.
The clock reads **12:28:53**
